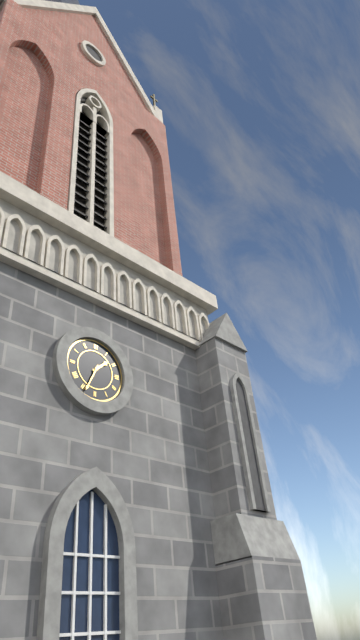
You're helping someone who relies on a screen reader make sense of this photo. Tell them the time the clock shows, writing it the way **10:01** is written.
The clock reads **1:34**
